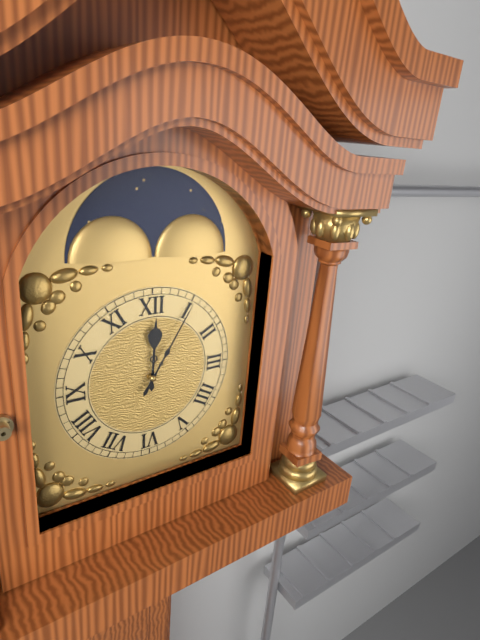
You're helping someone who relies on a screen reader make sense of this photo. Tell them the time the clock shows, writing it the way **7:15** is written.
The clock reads **12:05**
